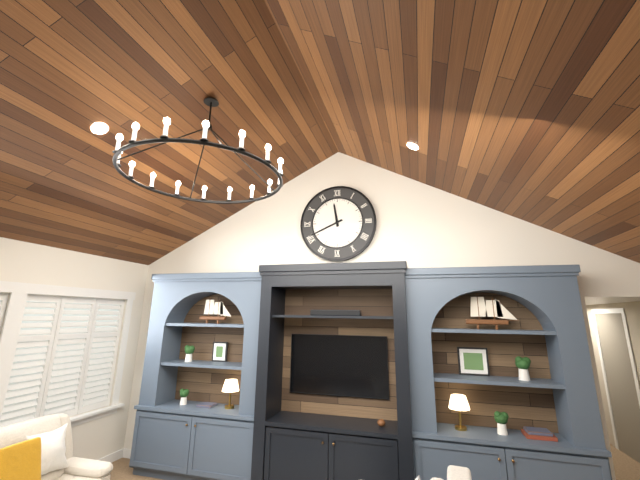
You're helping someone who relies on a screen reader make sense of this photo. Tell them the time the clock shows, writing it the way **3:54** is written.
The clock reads **11:41**
